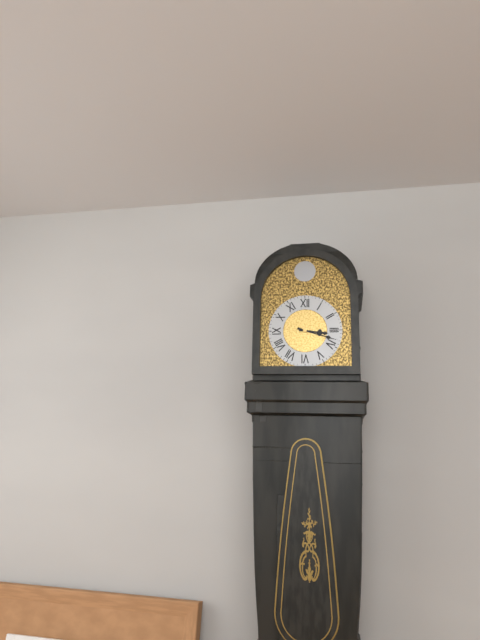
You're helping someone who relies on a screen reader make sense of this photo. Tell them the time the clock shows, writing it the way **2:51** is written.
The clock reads **3:18**
